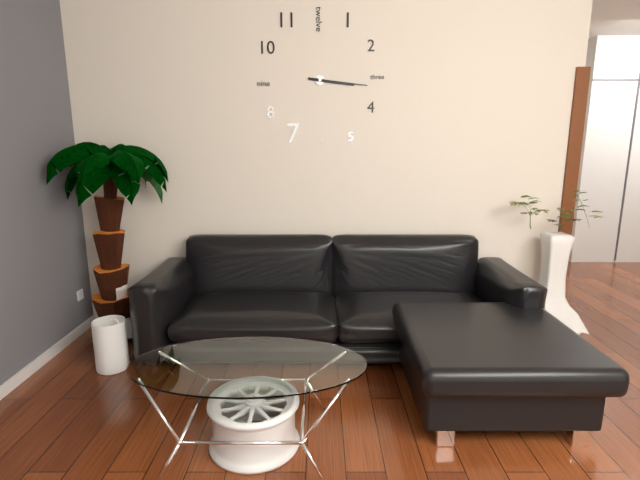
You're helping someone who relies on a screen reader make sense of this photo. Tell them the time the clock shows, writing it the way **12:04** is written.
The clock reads **3:16**
